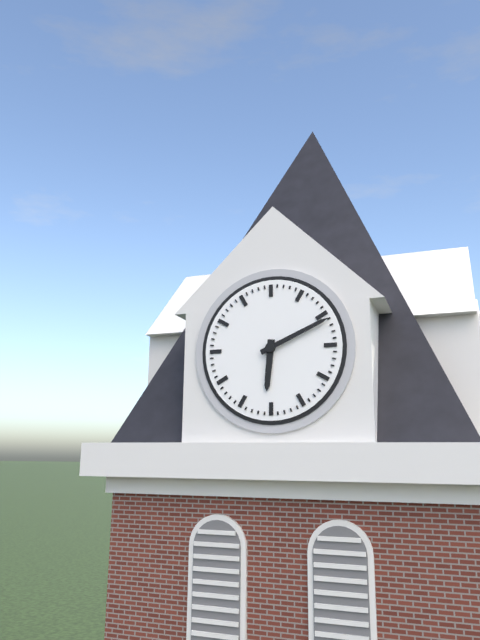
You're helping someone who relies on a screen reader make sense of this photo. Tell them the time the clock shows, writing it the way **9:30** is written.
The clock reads **6:11**
